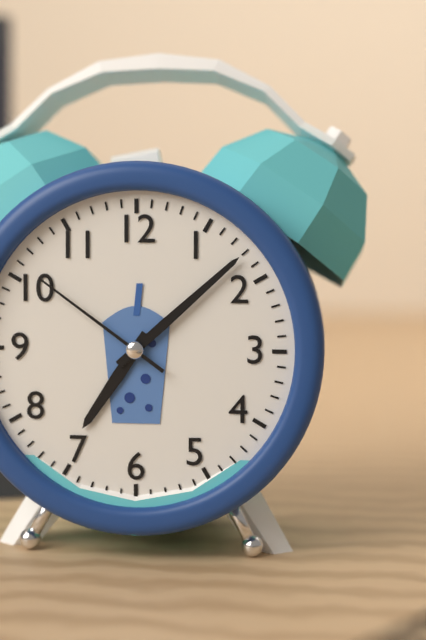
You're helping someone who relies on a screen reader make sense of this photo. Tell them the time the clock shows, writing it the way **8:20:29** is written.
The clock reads **7:08:51**
